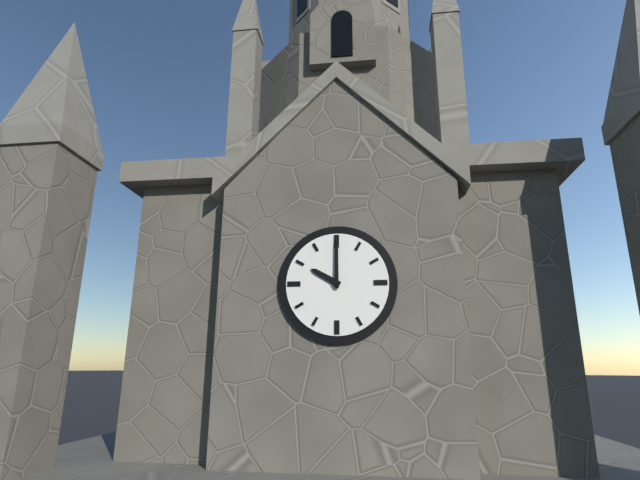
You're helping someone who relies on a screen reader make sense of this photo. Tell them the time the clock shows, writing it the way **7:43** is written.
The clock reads **10:00**
